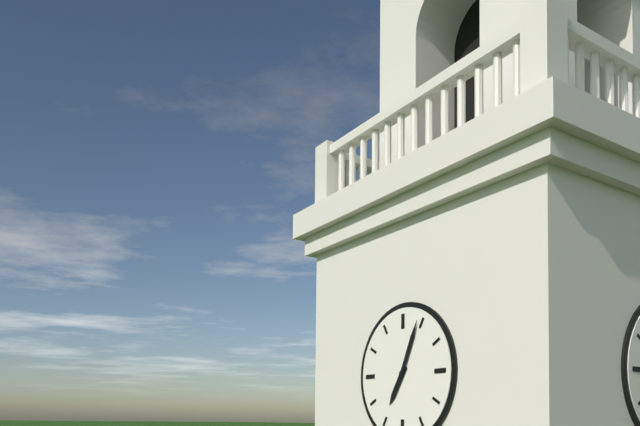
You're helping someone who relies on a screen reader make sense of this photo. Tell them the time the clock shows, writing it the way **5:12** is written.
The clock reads **7:04**
